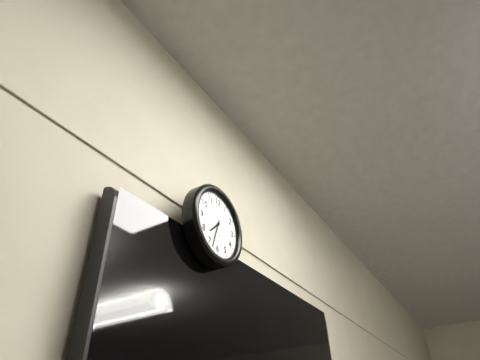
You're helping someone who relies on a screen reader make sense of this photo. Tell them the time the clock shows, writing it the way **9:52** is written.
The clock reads **7:33**
